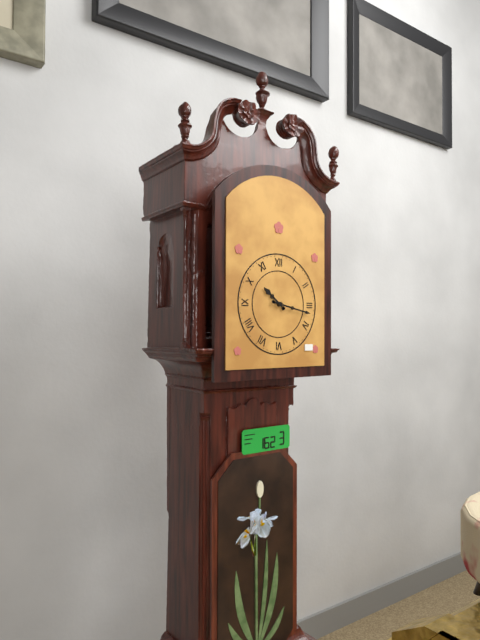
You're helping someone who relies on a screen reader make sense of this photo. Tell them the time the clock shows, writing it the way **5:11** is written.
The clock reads **10:17**
